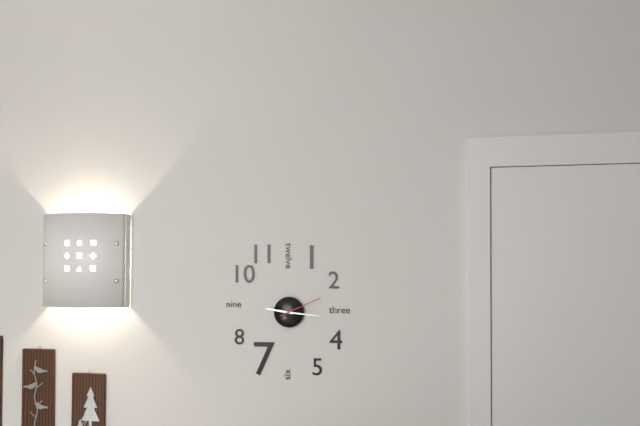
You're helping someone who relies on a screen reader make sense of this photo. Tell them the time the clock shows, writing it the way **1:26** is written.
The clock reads **9:16**
